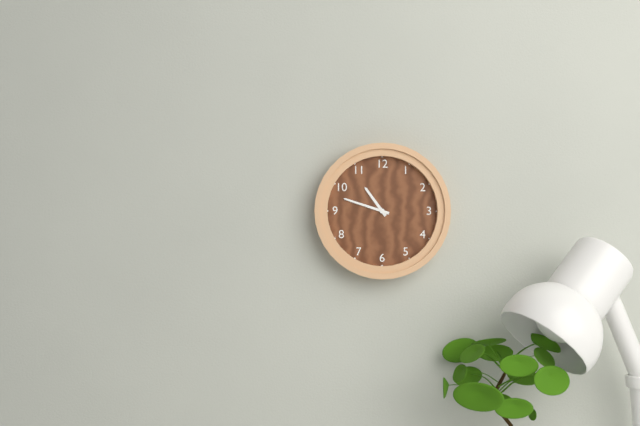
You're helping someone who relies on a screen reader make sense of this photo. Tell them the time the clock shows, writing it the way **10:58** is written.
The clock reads **10:48**
